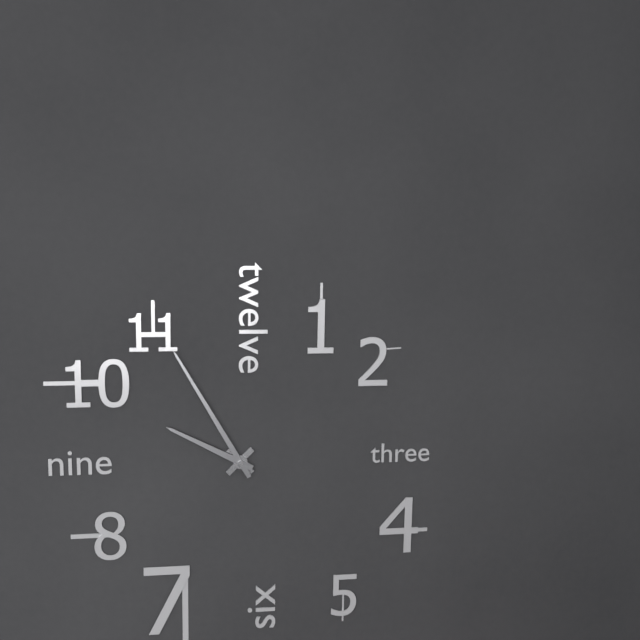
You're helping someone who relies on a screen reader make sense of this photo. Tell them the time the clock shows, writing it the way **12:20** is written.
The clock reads **9:55**
